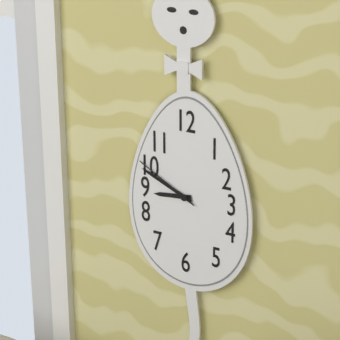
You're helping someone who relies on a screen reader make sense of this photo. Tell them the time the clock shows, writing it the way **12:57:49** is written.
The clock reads **8:49:50**
